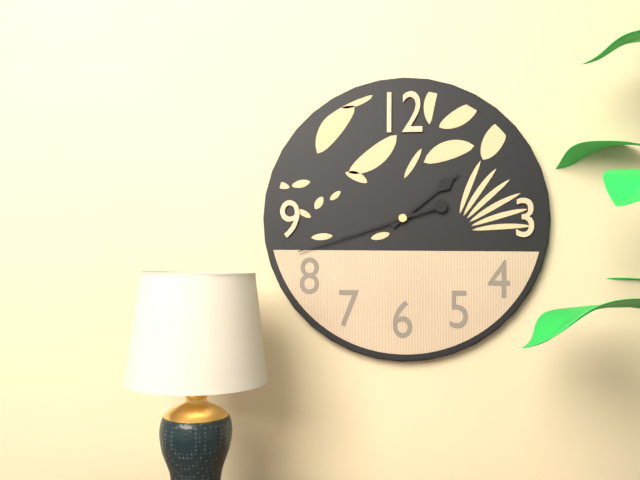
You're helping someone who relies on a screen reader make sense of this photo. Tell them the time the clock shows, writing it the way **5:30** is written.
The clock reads **1:42**
